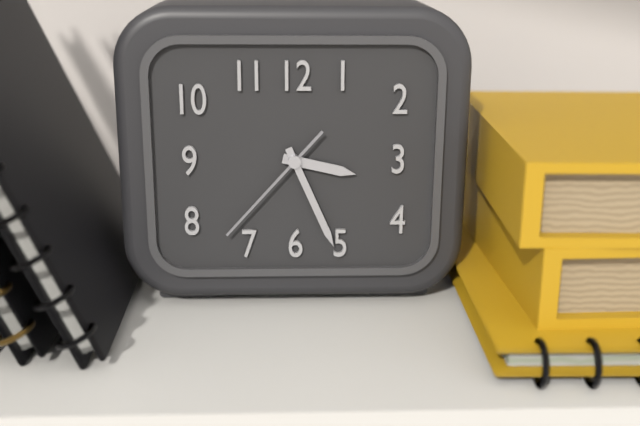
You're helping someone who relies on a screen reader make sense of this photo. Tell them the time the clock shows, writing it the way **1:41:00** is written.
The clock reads **3:26:37**
